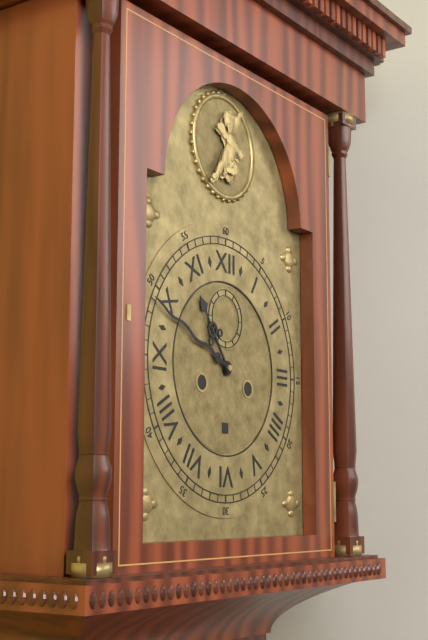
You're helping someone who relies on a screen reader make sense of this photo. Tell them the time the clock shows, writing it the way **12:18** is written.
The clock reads **10:49**
